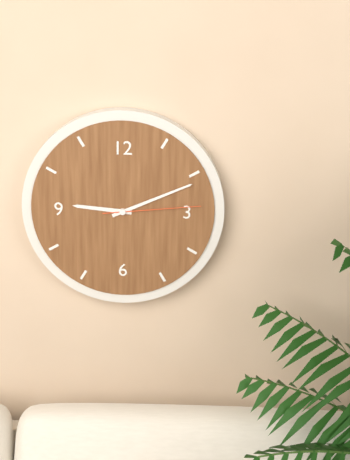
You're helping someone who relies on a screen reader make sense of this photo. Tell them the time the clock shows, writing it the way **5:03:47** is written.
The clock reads **9:11:14**
